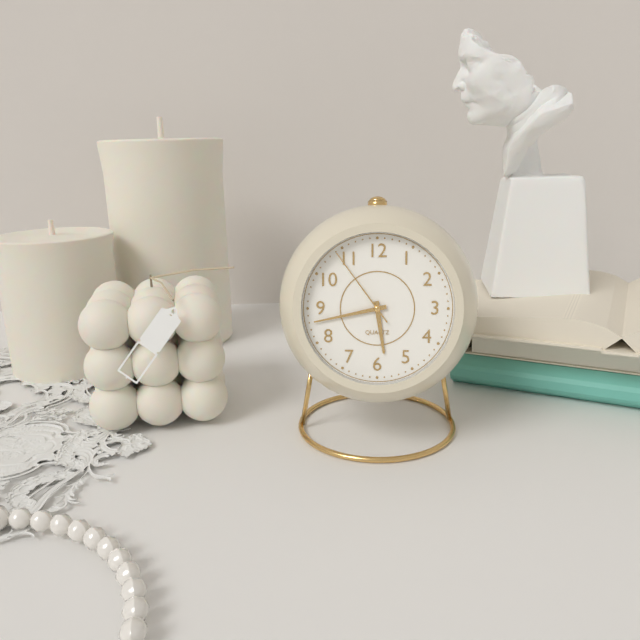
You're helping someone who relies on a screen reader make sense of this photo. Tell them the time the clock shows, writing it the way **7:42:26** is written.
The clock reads **5:43:54**
